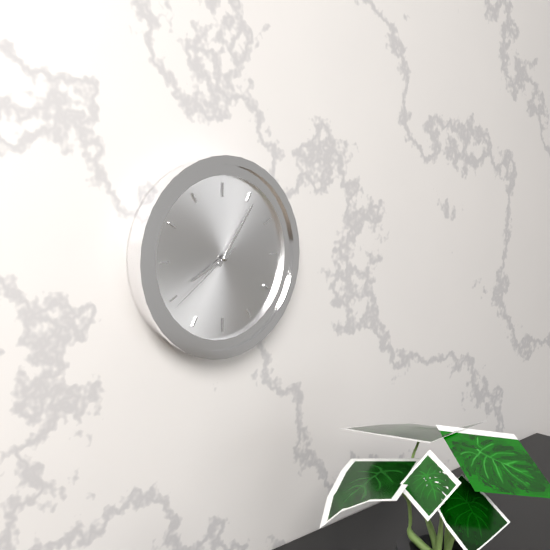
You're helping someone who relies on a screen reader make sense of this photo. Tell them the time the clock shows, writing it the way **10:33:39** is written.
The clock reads **8:06:39**
